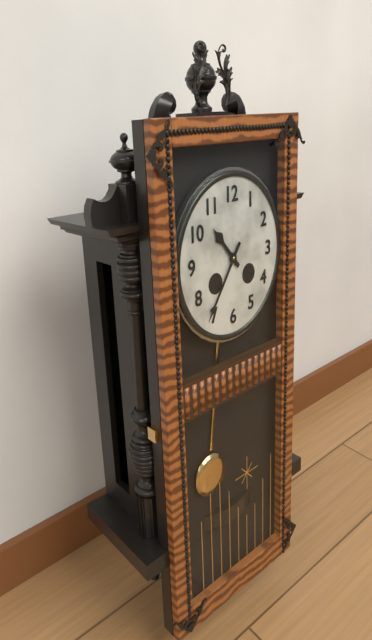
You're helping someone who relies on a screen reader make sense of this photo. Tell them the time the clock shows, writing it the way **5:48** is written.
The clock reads **10:36**
